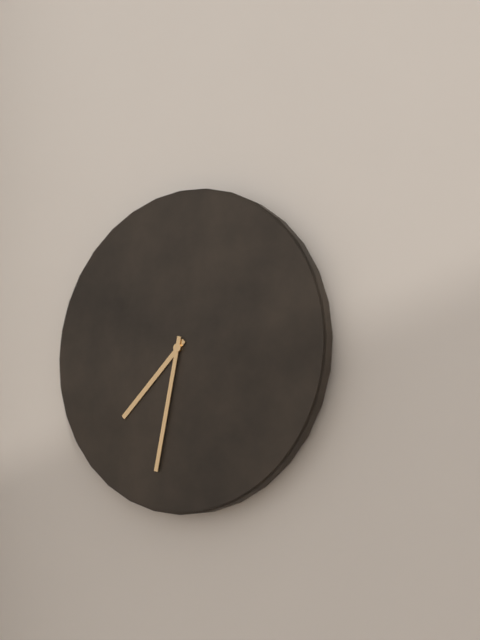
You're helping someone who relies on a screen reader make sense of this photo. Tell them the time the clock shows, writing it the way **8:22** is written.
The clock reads **7:32**
